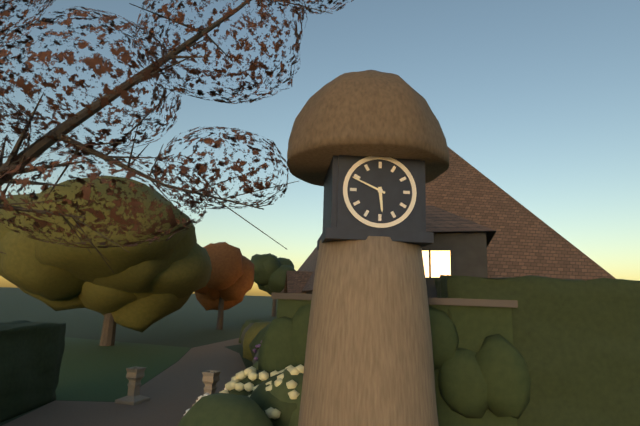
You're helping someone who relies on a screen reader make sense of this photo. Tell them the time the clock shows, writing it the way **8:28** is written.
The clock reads **5:49**
